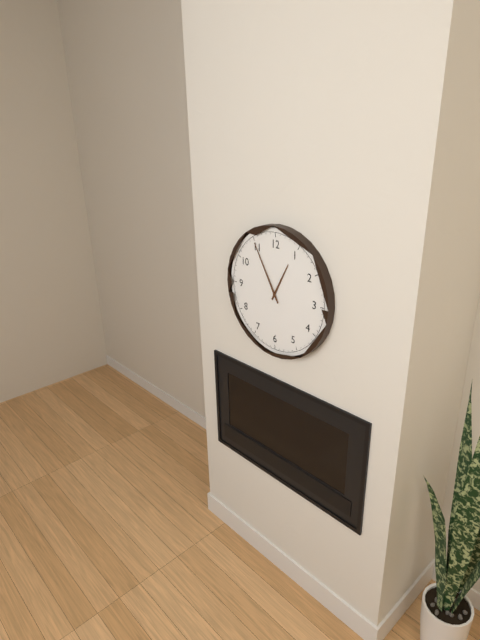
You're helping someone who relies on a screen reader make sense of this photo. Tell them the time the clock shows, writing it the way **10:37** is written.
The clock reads **12:55**
